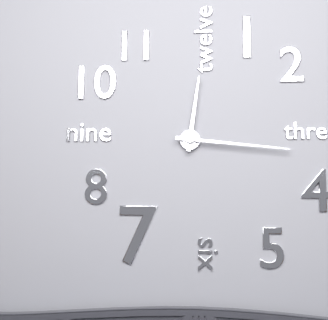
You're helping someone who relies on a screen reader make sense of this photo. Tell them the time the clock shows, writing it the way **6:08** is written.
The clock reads **12:16**
